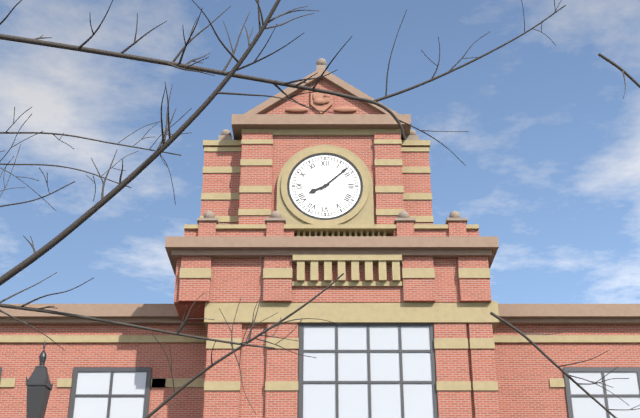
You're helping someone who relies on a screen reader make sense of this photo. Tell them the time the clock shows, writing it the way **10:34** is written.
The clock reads **8:08**
